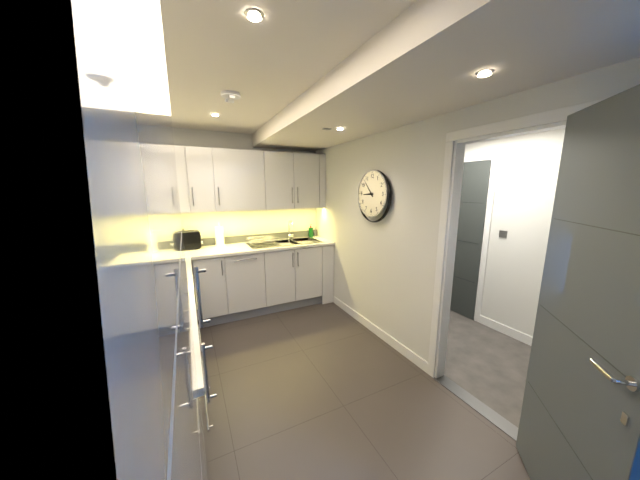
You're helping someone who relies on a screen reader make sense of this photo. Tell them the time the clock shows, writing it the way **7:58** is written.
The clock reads **8:53**
